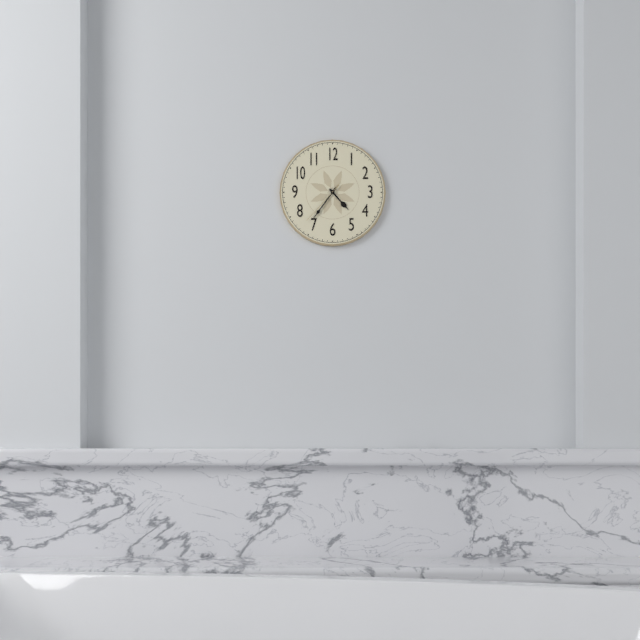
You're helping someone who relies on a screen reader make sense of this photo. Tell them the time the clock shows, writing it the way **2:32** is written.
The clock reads **4:36**
